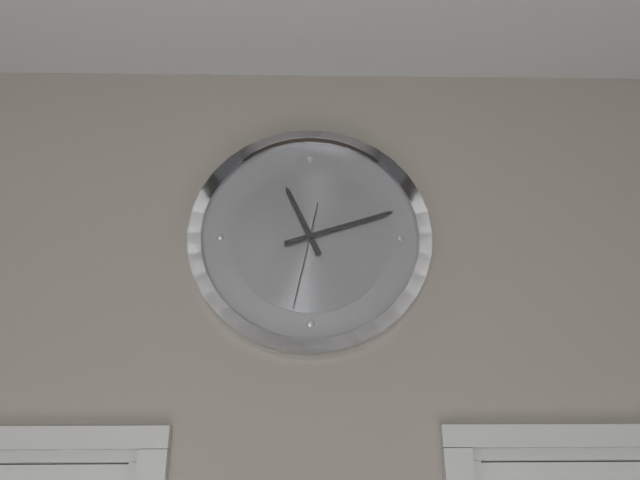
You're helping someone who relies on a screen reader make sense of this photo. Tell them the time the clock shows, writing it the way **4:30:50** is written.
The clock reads **11:12:32**
